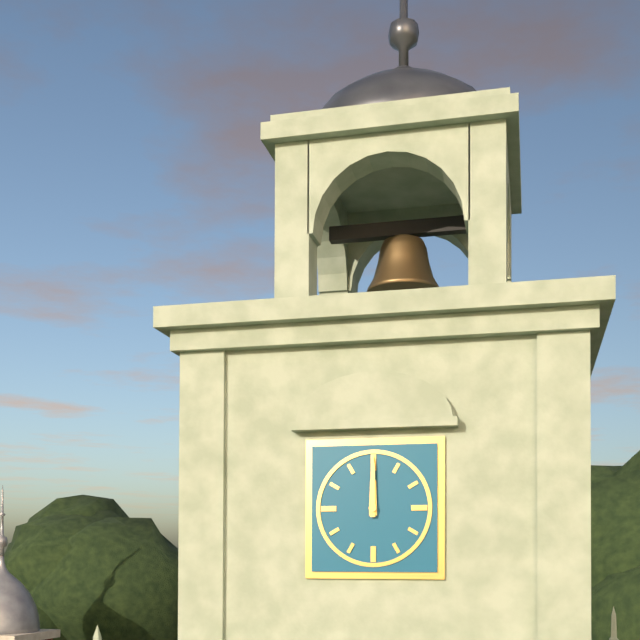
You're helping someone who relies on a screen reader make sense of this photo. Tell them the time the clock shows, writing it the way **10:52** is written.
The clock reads **12:00**
